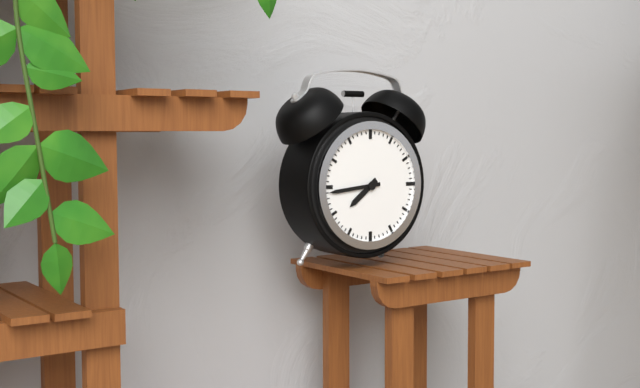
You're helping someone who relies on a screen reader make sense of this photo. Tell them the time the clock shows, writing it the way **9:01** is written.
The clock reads **7:44**
